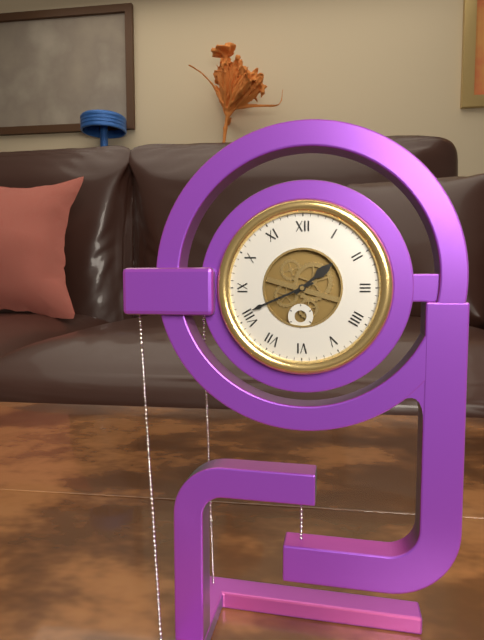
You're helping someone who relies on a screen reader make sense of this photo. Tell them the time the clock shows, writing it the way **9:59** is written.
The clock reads **1:41**
